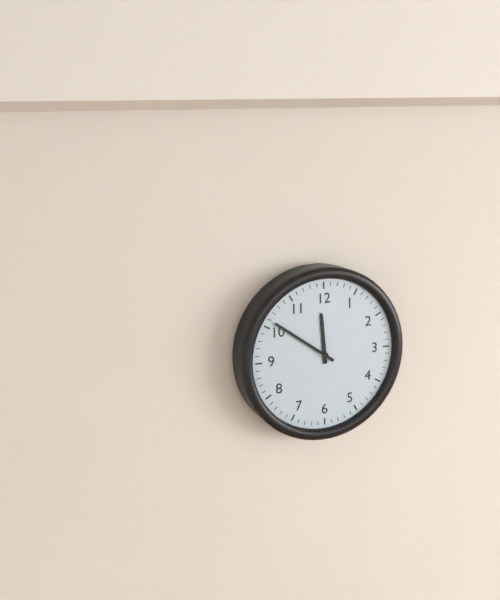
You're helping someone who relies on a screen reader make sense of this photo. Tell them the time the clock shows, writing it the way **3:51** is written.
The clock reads **11:51**
